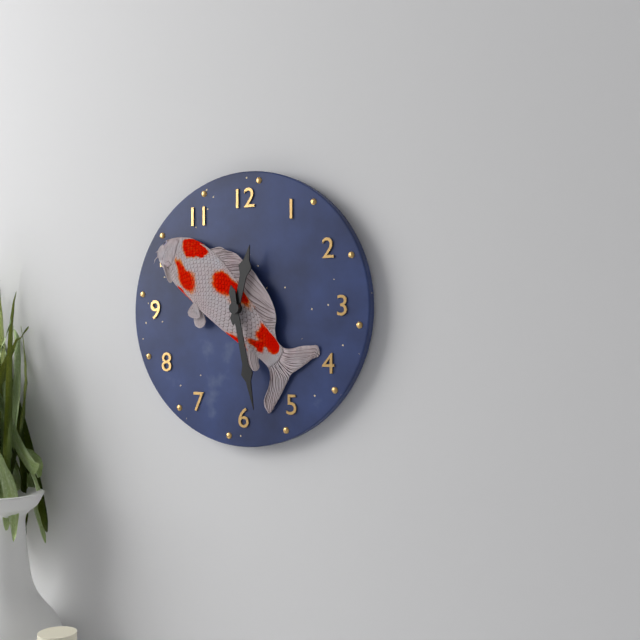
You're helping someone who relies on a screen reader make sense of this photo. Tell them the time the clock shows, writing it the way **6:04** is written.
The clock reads **12:28**
